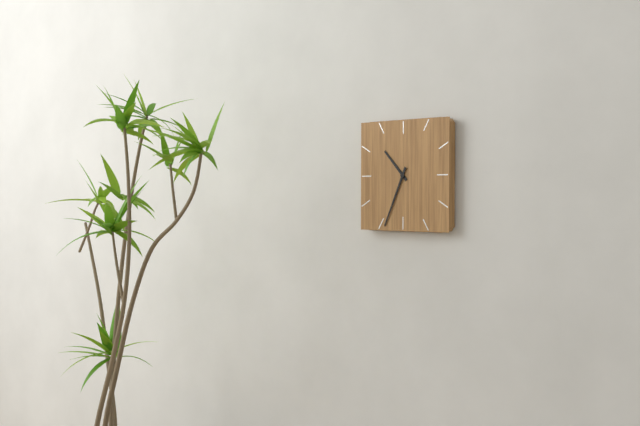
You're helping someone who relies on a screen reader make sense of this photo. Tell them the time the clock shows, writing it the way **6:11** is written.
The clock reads **10:34**
